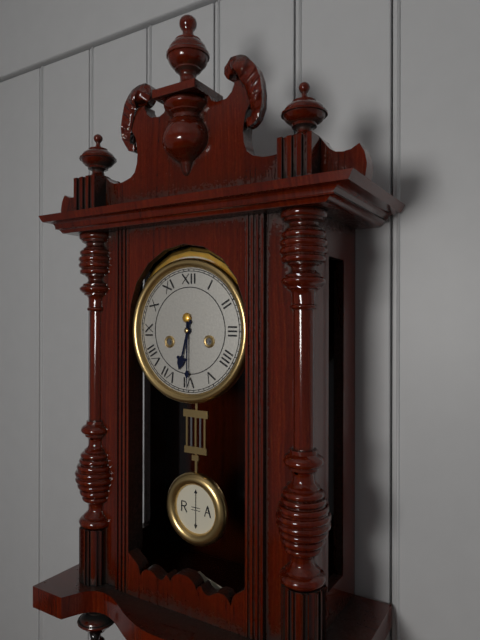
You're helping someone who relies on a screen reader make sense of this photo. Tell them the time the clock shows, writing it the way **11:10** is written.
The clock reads **6:30**
